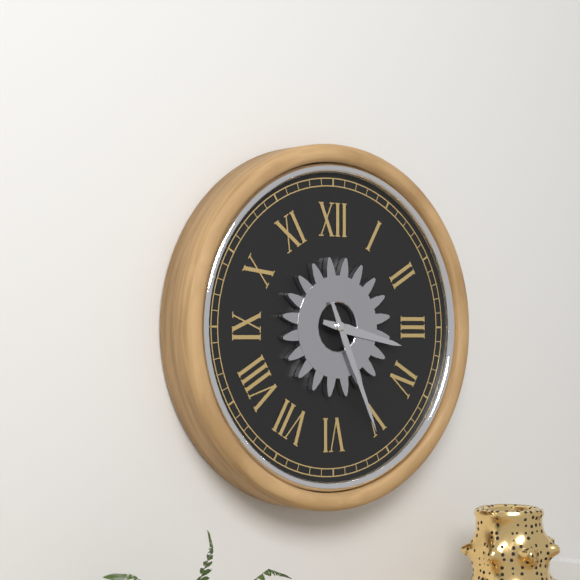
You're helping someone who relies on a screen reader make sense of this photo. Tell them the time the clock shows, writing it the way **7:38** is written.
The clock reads **3:26**
